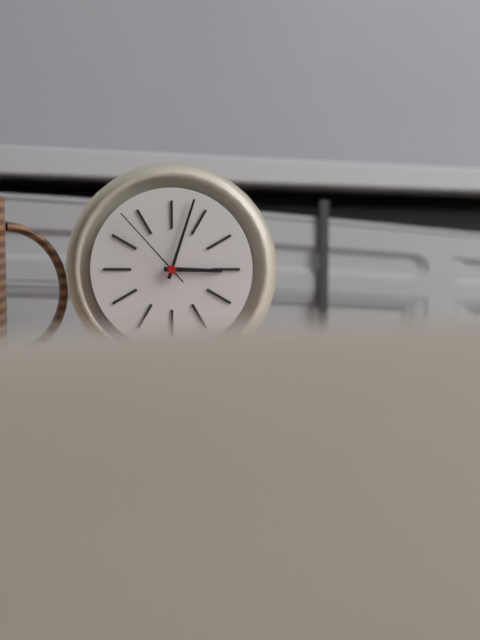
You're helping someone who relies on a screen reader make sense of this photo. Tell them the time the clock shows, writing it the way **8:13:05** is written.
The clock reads **3:03:53**
